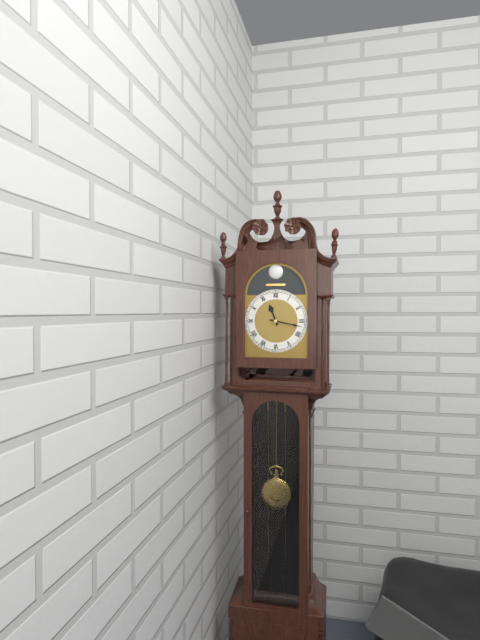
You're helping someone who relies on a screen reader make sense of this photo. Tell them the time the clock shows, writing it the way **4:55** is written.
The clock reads **11:17**
